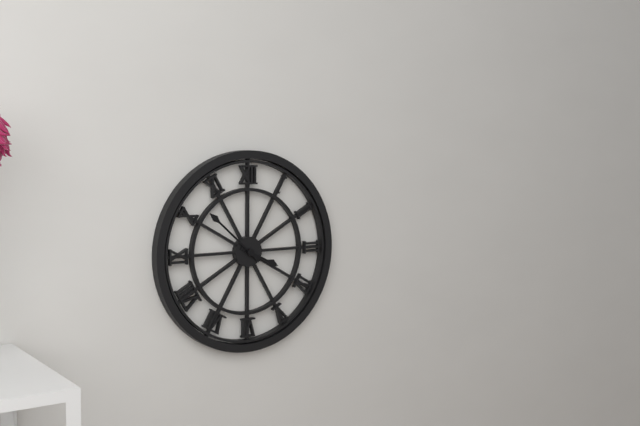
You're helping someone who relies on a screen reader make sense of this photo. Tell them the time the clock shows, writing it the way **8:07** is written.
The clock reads **3:52**
